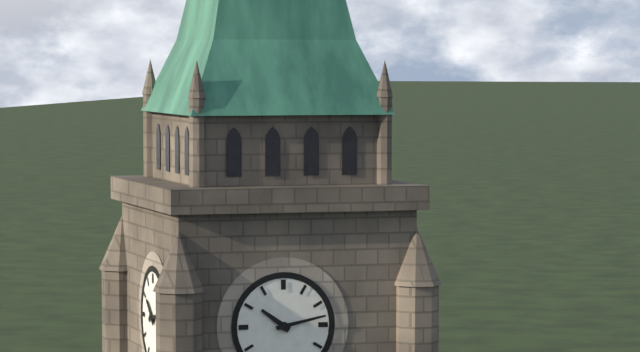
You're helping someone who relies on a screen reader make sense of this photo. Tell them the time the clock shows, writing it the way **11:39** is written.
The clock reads **10:13**
